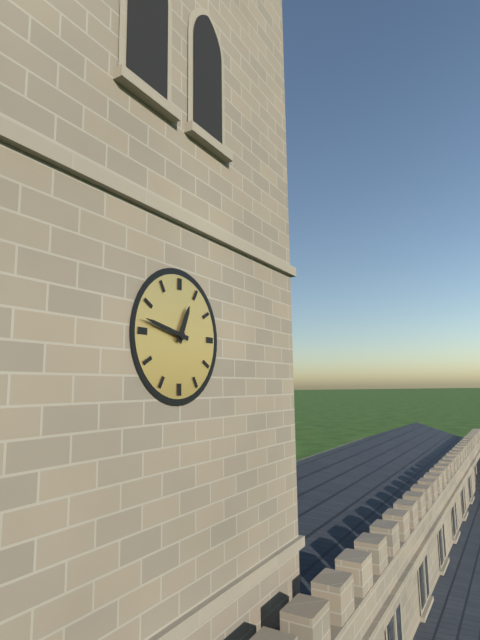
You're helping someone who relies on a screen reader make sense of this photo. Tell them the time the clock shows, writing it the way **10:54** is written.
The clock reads **12:47**
